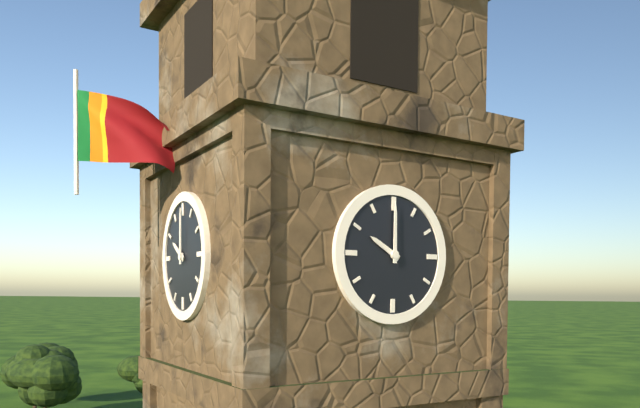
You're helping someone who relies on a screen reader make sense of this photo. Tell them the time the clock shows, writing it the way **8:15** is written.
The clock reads **10:00**
